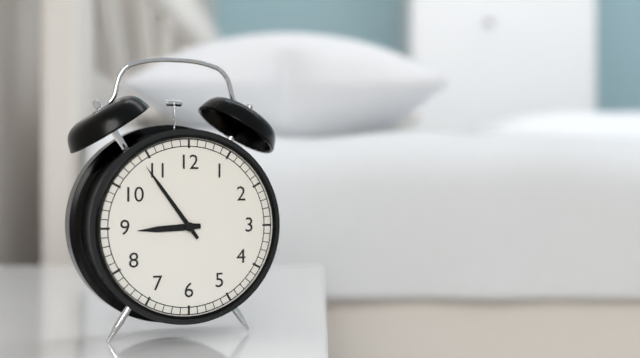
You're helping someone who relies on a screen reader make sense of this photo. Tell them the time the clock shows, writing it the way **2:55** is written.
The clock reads **8:54**
